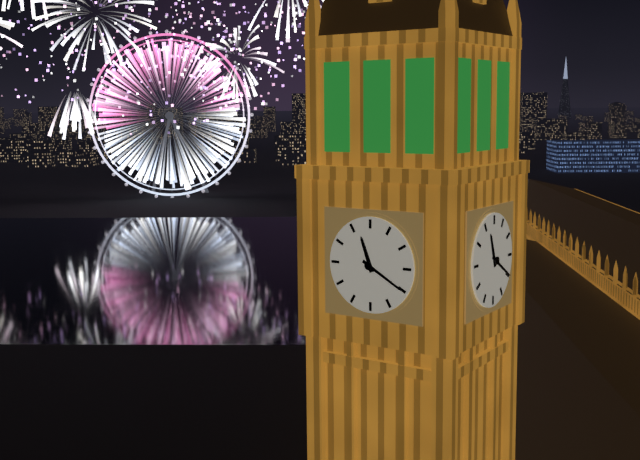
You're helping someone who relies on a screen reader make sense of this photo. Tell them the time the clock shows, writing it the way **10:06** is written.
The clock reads **11:20**
